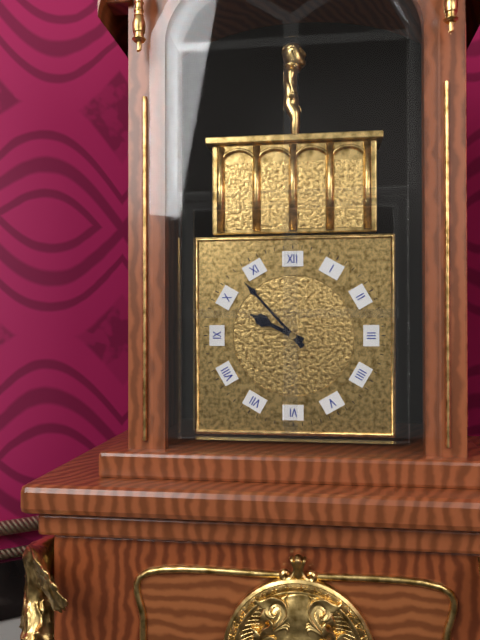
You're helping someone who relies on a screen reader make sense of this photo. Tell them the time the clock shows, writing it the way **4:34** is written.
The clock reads **9:53**
